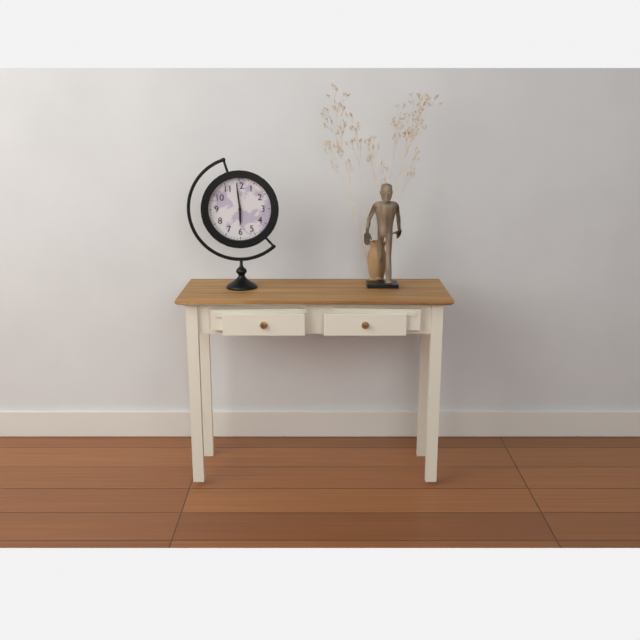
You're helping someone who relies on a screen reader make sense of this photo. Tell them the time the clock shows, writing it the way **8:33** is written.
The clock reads **5:59**
